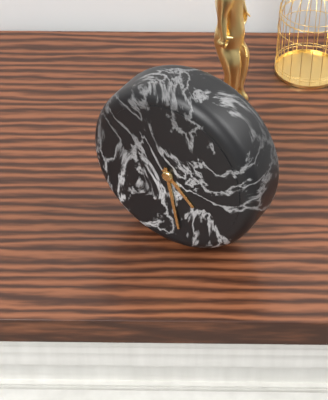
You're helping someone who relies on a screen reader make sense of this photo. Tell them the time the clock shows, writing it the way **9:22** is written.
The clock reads **4:28**
